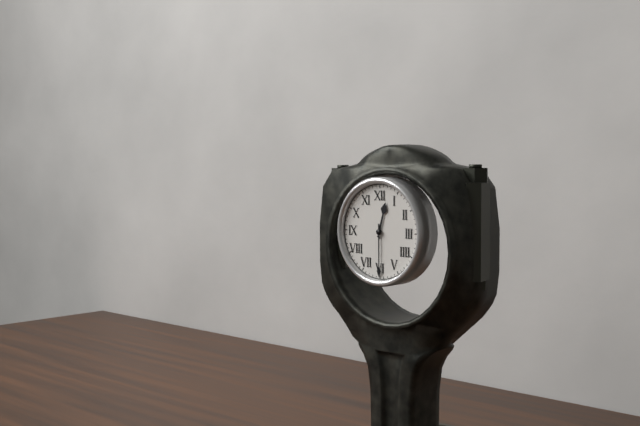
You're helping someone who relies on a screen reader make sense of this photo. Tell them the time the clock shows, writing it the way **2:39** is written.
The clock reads **12:30**
